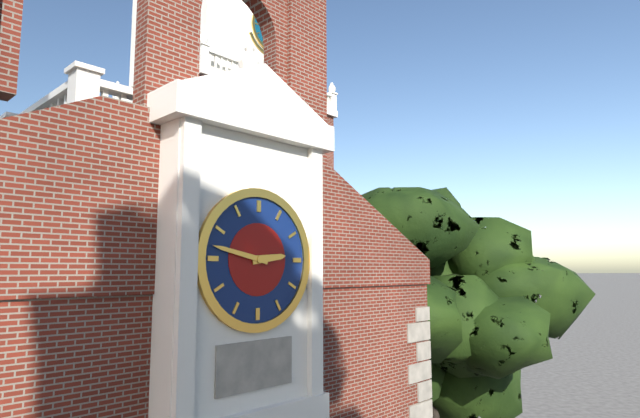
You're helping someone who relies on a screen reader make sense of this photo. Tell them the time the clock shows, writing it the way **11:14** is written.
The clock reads **2:47**
